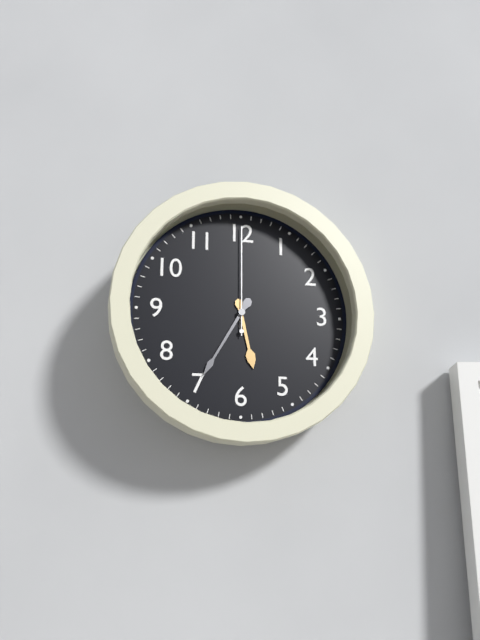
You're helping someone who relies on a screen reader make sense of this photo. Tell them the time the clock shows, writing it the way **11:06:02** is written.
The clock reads **5:35:00**
